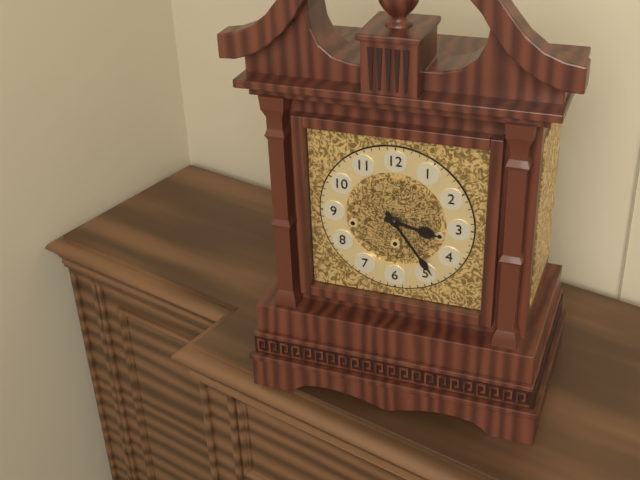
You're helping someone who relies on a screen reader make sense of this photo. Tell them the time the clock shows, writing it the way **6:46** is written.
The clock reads **3:24**
